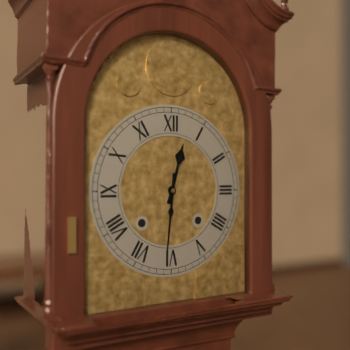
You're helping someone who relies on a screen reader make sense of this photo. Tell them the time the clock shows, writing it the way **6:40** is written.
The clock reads **12:31**
